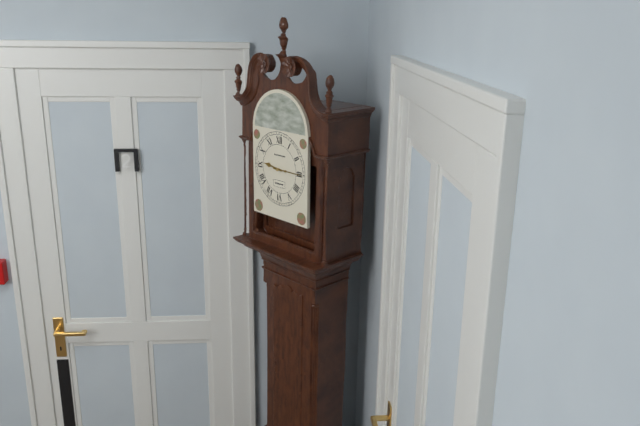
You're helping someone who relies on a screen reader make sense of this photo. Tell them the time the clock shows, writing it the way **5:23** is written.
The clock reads **9:15**
